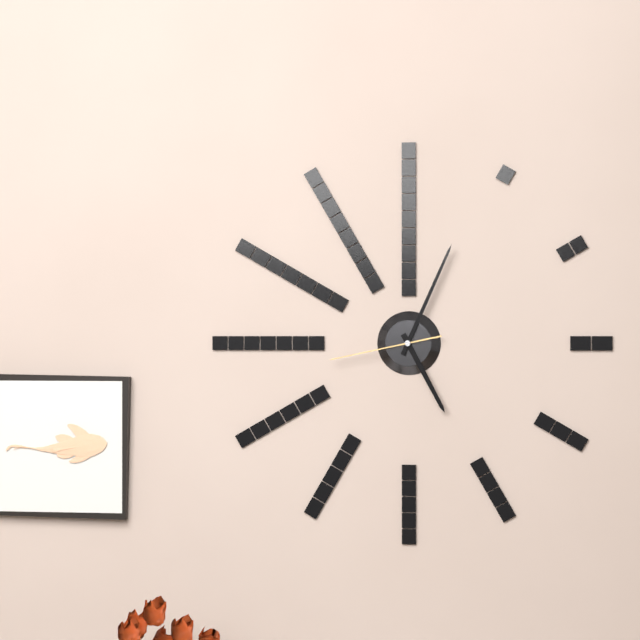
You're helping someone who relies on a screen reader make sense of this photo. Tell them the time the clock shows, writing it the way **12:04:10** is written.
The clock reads **5:04:43**
